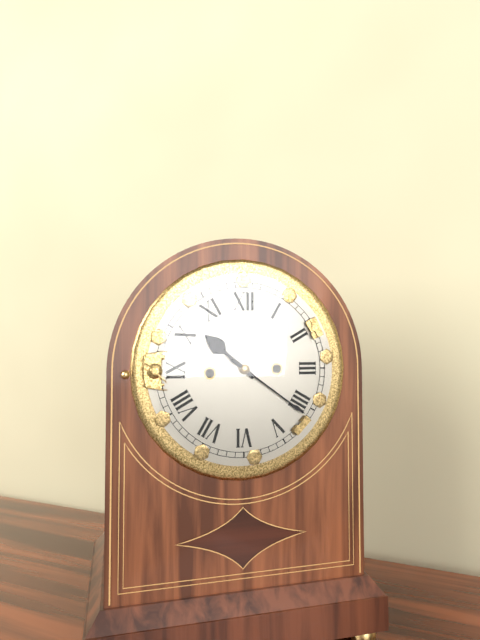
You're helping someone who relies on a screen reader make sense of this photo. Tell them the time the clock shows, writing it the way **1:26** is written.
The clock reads **10:21**
